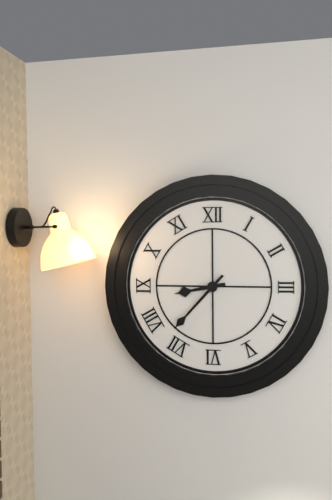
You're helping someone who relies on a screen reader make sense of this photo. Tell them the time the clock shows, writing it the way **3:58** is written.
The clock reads **8:37**
